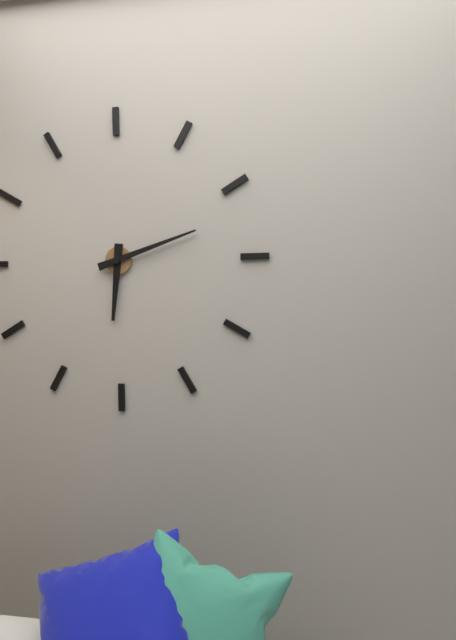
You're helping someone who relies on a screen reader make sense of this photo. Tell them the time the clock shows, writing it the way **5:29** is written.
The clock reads **6:12**
